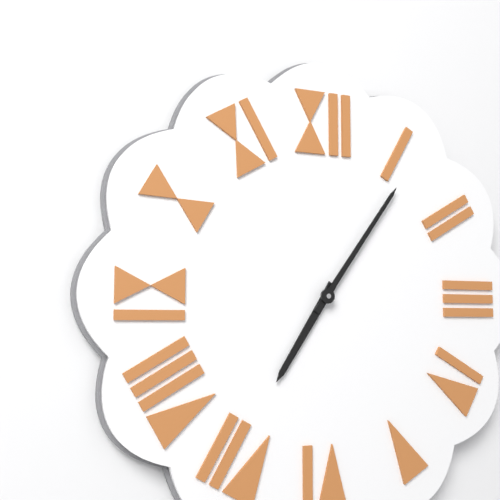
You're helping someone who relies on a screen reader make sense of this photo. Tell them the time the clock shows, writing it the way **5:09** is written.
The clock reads **7:06**
